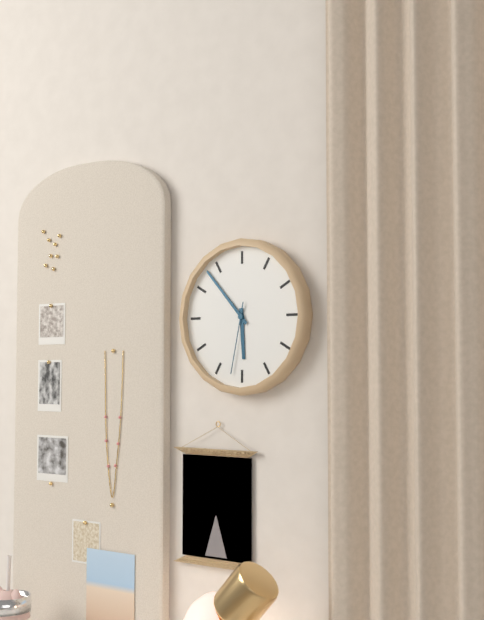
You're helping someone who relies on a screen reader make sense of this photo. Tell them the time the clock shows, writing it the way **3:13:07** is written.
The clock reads **5:53:32**
